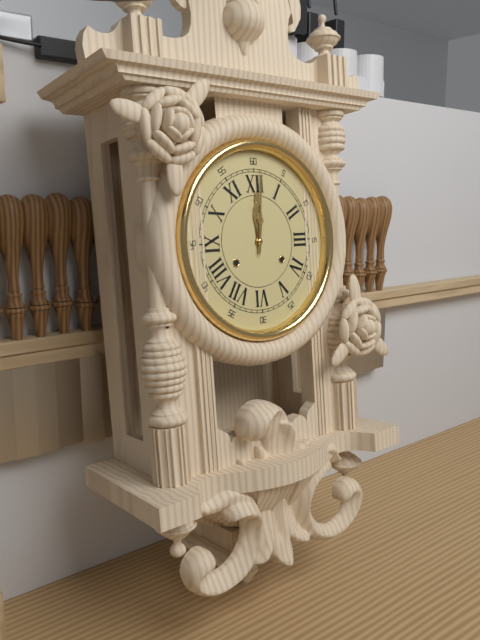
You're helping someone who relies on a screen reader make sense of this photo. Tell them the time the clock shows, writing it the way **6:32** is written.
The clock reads **12:01**
